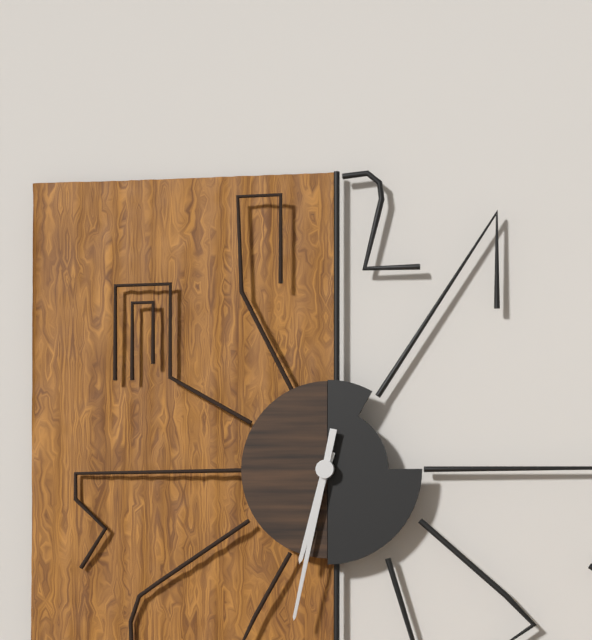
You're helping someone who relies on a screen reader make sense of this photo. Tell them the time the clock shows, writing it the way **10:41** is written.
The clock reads **6:32**
